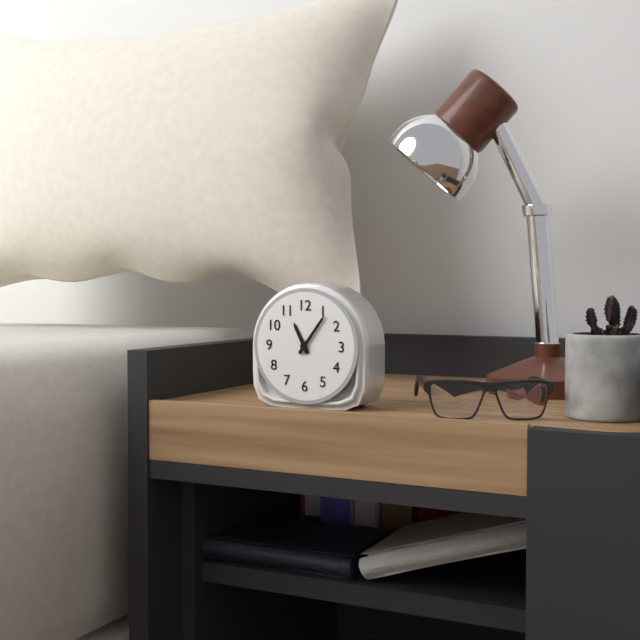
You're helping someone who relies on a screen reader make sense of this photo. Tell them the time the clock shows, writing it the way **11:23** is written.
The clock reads **11:06**
